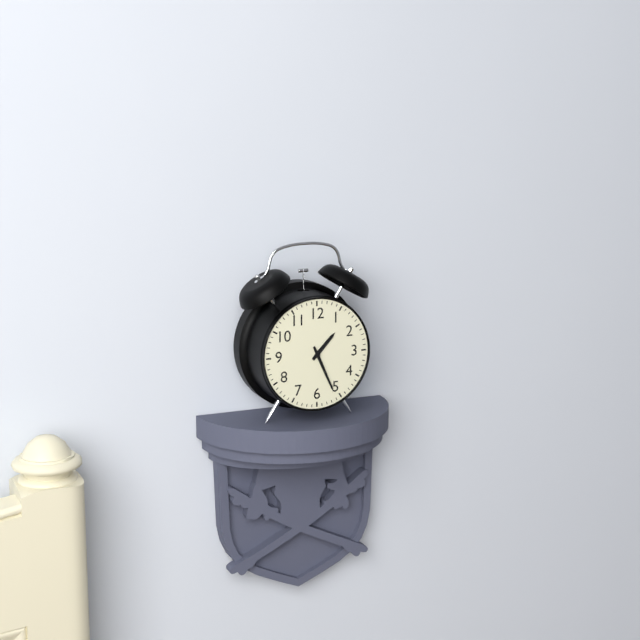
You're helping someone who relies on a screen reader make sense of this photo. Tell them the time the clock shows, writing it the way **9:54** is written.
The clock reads **1:26**
